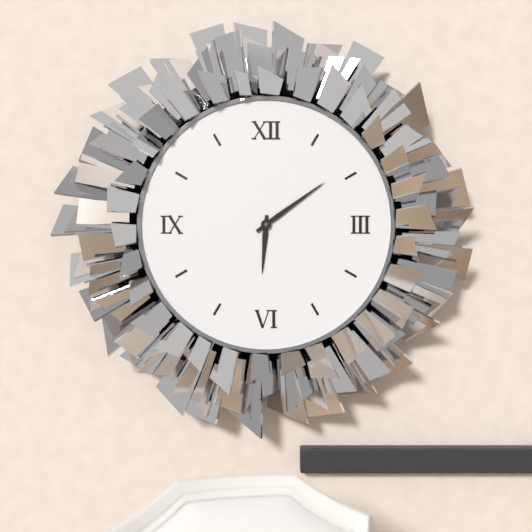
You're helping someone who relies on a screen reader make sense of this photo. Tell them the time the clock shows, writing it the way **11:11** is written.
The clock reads **6:09**
